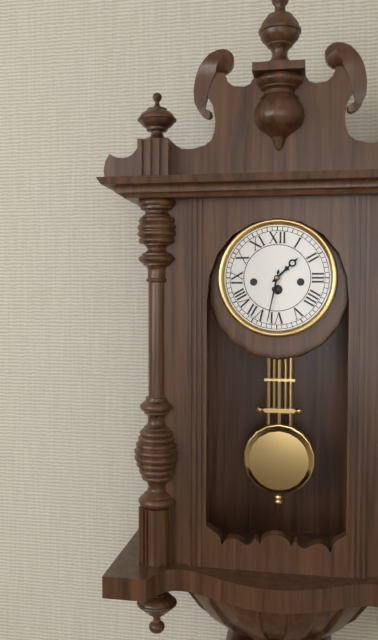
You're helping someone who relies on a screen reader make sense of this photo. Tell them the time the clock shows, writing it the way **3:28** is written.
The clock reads **1:32**
